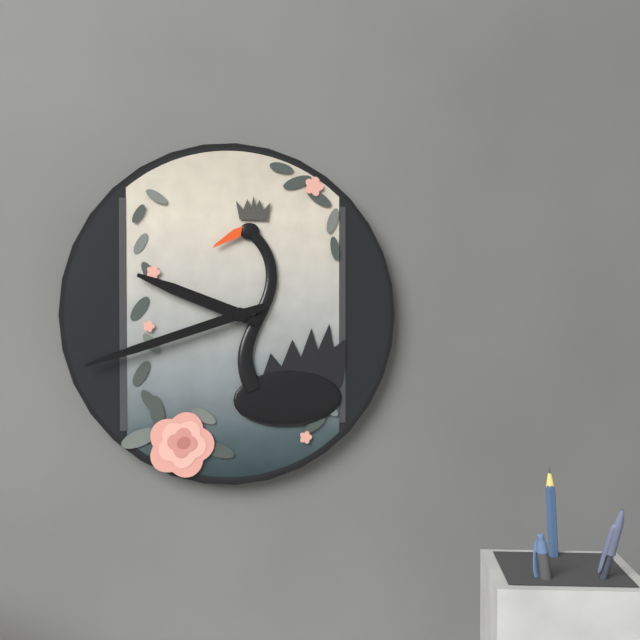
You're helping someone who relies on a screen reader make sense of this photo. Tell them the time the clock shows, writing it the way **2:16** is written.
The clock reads **9:42**
